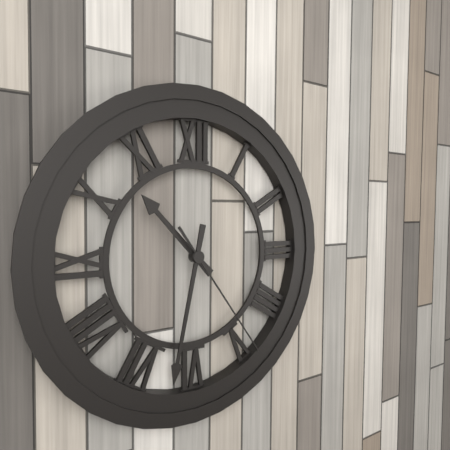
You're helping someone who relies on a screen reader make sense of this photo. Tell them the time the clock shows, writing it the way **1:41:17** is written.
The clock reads **10:32:24**
